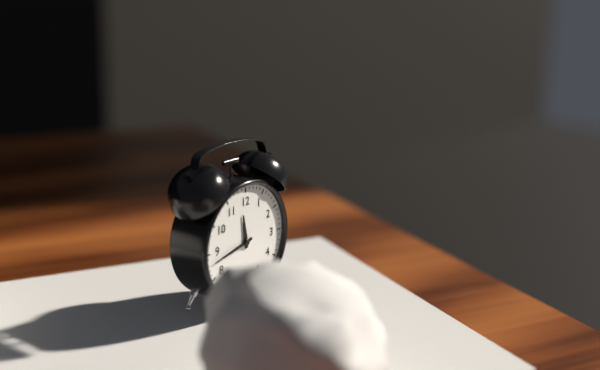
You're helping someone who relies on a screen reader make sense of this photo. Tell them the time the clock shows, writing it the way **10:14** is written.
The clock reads **11:43**
